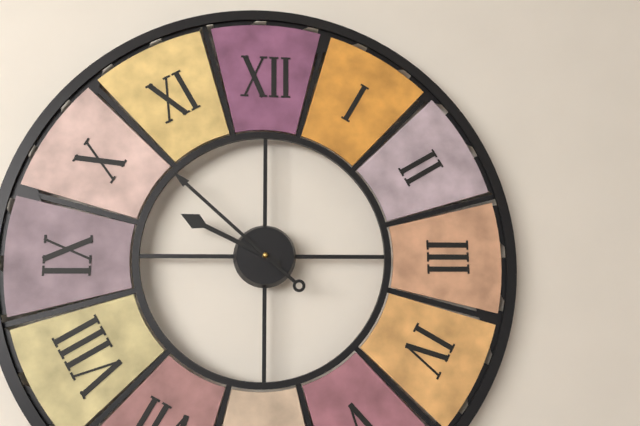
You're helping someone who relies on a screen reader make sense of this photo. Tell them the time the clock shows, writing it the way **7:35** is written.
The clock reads **9:52**
